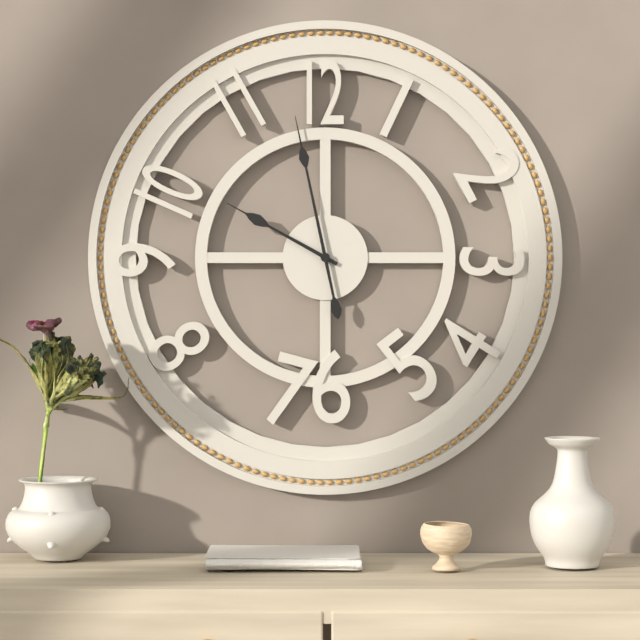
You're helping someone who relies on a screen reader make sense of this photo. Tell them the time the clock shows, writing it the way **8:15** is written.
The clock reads **9:58**
